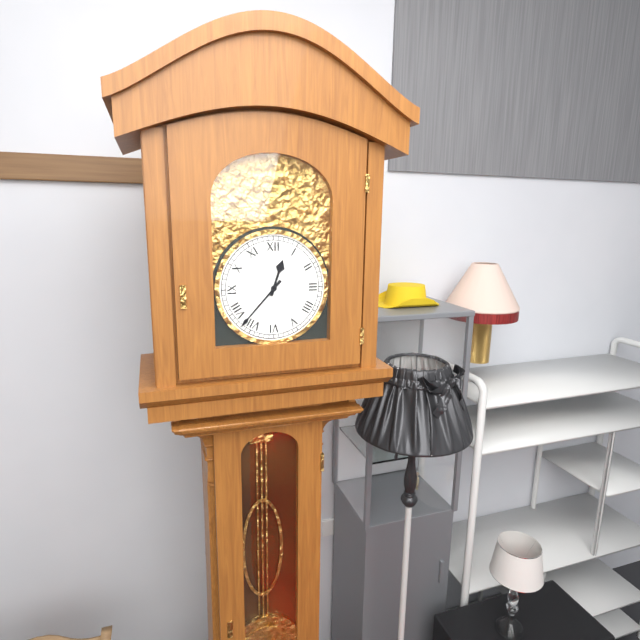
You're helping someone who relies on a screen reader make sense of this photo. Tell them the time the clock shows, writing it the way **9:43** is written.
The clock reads **12:37**
